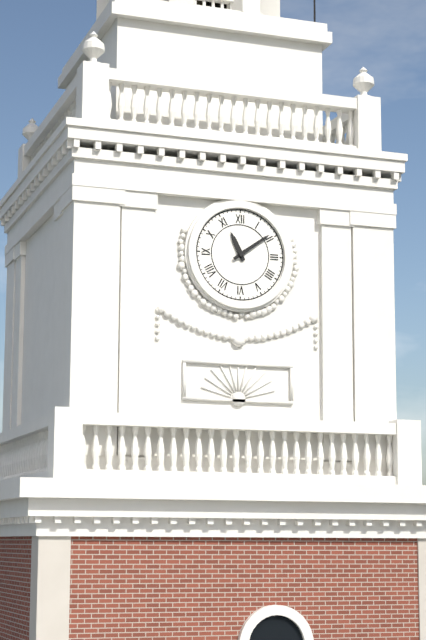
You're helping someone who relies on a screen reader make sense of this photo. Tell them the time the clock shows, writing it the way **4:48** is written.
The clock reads **11:09**
